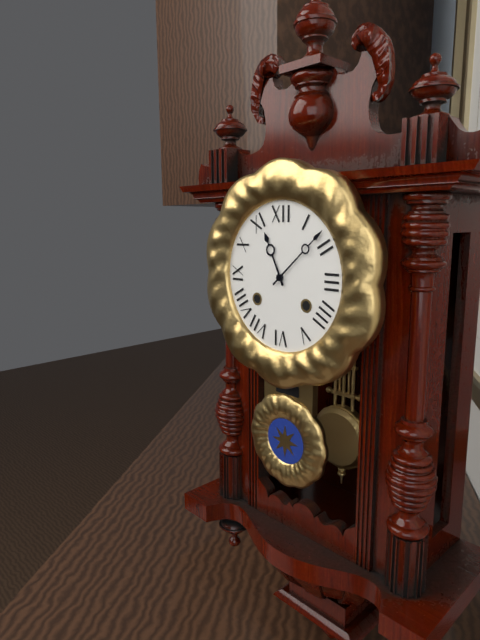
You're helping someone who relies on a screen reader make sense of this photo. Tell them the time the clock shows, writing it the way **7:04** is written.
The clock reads **11:08**
